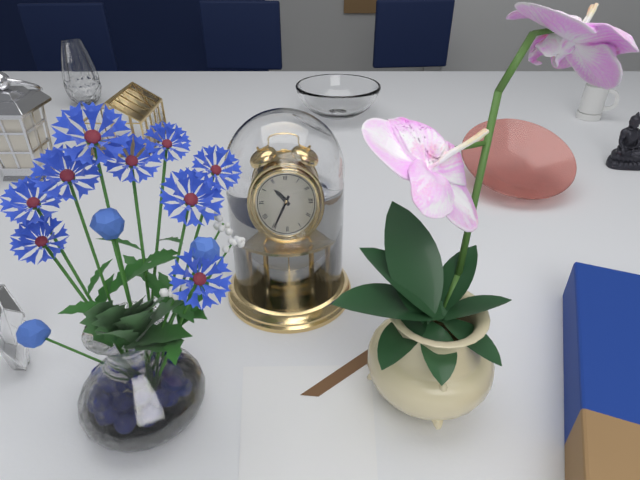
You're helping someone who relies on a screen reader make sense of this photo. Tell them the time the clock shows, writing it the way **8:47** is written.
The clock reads **10:35**
